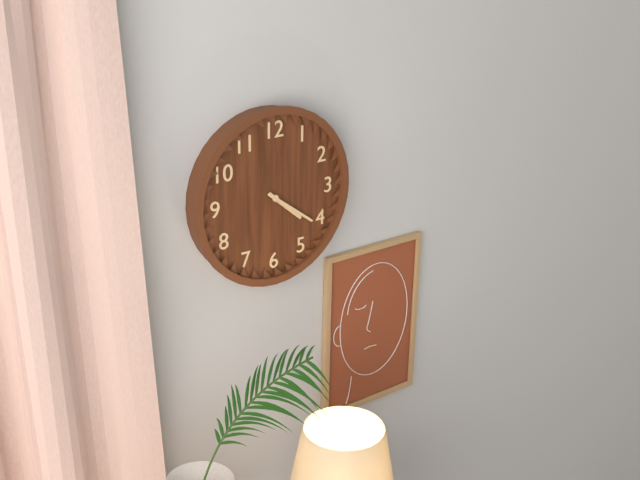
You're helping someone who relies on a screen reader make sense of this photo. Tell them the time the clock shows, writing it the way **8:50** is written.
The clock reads **4:21**
